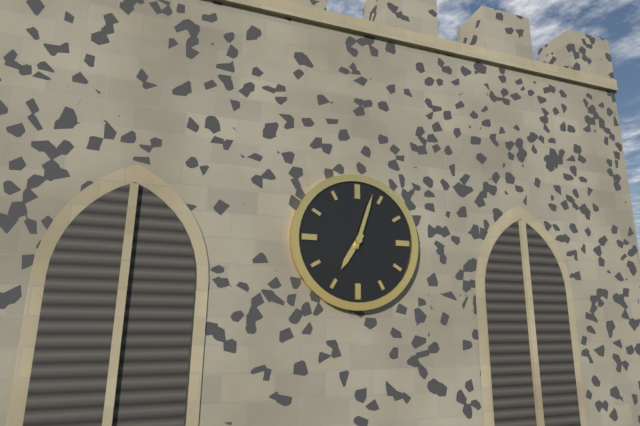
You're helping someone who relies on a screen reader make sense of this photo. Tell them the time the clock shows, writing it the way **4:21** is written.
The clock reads **7:03**
